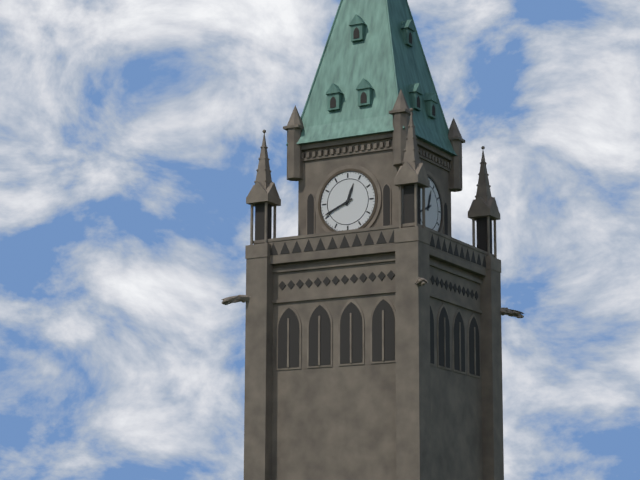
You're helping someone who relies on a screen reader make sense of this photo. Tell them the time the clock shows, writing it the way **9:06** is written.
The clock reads **12:41**
